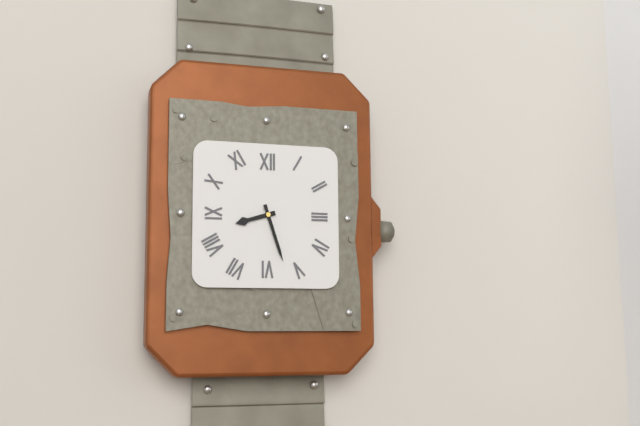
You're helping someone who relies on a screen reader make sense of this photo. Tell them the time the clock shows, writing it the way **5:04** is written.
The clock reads **8:27**
